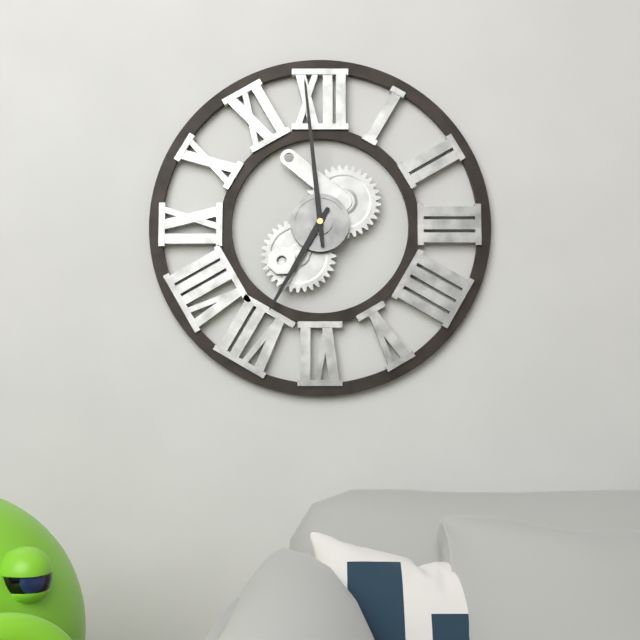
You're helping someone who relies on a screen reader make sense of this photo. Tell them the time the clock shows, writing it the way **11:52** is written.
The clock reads **6:59**
